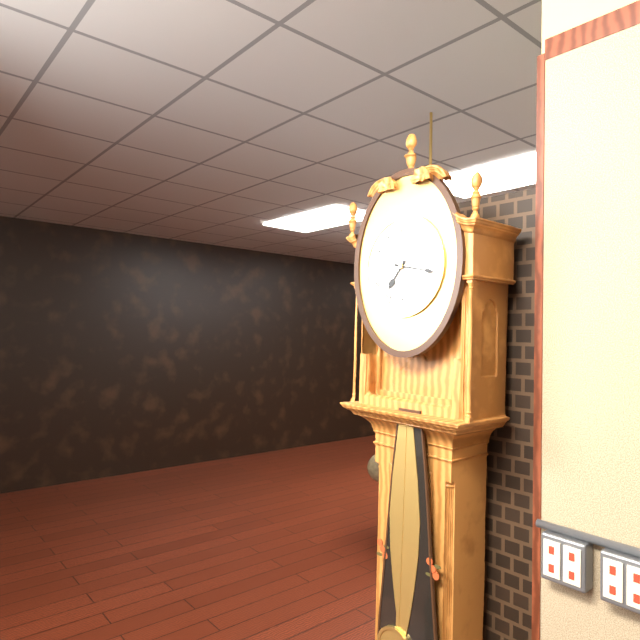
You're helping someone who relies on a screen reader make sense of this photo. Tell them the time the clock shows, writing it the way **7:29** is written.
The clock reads **7:17**
